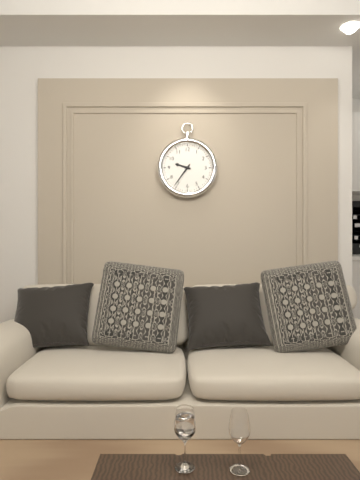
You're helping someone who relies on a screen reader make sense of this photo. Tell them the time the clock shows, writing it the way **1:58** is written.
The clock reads **9:36**
